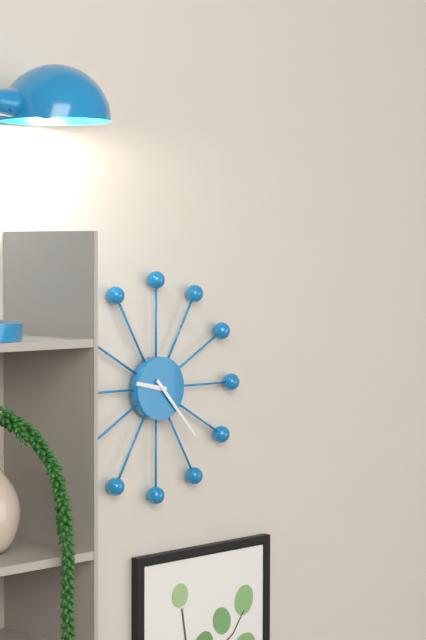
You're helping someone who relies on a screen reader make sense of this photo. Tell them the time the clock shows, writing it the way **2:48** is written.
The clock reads **9:23**
